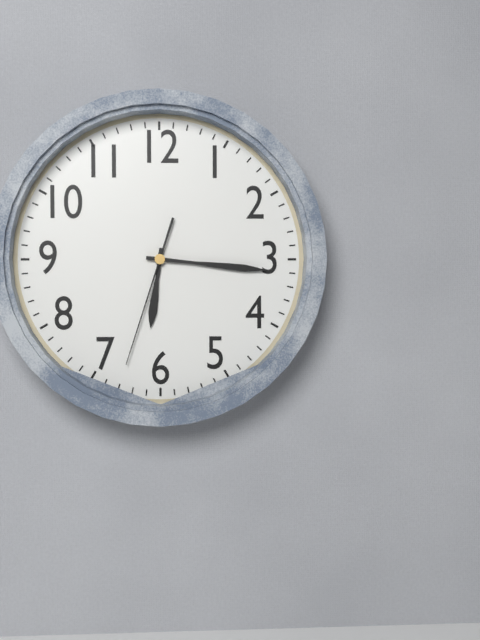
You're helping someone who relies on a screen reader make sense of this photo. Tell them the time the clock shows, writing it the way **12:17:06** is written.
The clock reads **6:16:33**
